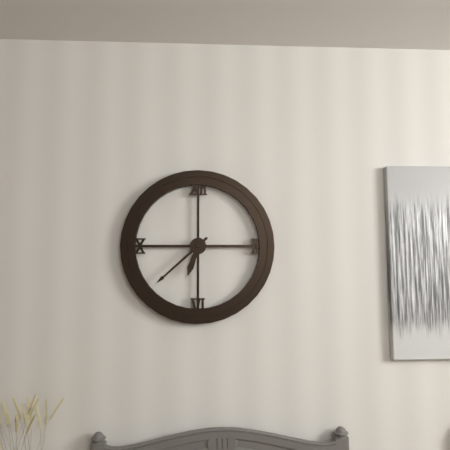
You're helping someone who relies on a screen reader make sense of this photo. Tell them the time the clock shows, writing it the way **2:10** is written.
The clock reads **6:38**
